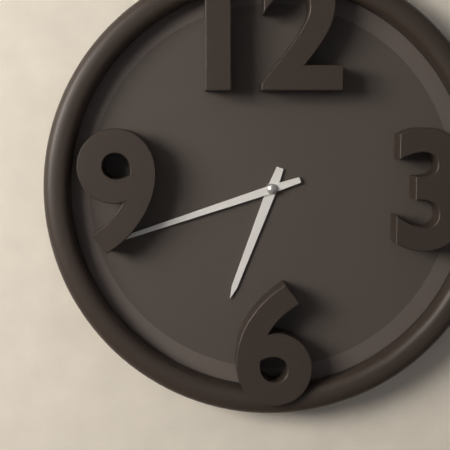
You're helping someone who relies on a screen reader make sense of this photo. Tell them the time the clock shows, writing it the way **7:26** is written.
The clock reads **6:42**
